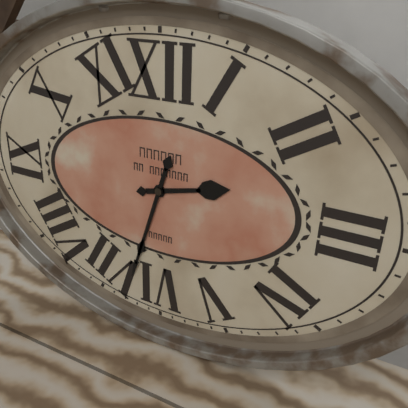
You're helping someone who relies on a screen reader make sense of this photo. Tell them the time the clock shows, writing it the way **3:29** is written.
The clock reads **2:33**
